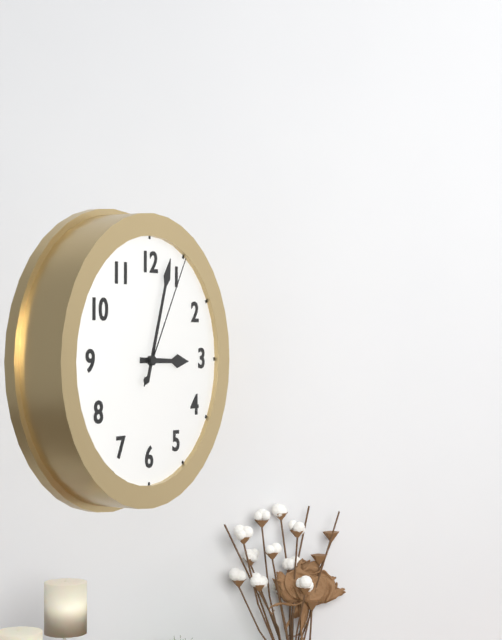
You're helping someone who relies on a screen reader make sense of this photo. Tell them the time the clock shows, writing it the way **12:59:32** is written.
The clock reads **3:03:05**
